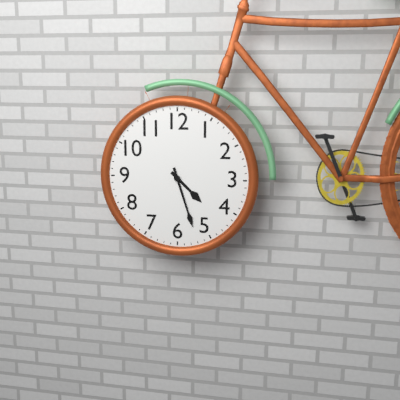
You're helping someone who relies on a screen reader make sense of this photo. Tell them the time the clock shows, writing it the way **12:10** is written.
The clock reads **4:27**
